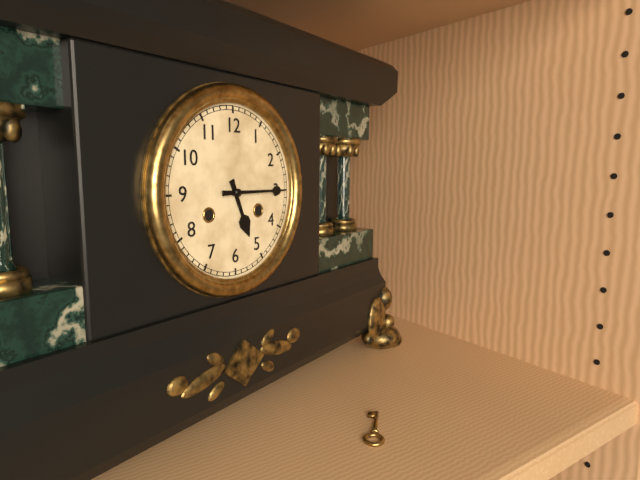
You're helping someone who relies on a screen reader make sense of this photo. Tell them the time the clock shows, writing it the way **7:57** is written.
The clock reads **5:15**
